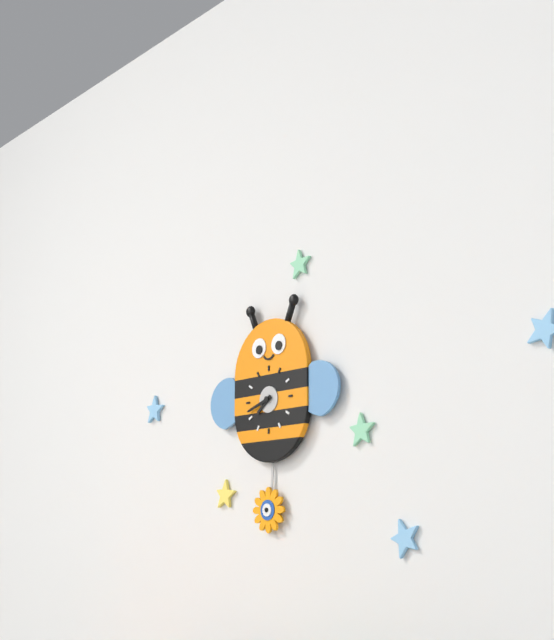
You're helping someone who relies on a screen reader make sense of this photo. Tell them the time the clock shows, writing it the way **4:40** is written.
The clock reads **7:42**
